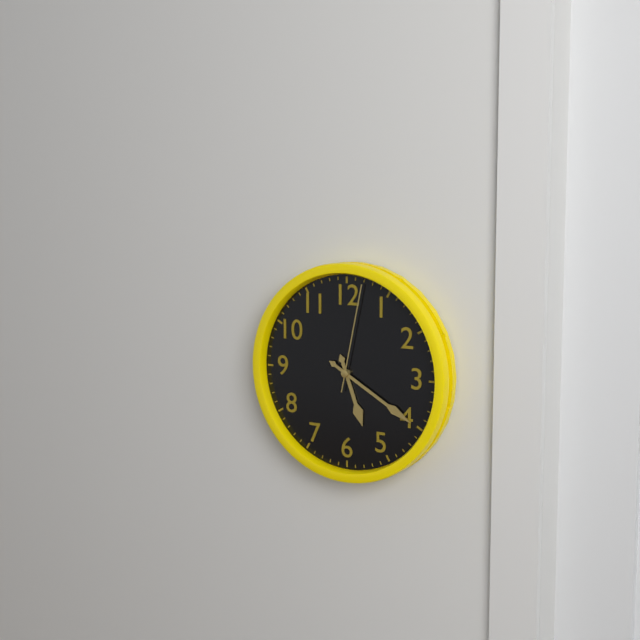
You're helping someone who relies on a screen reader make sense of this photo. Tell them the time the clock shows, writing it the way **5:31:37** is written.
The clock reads **5:20:02**
